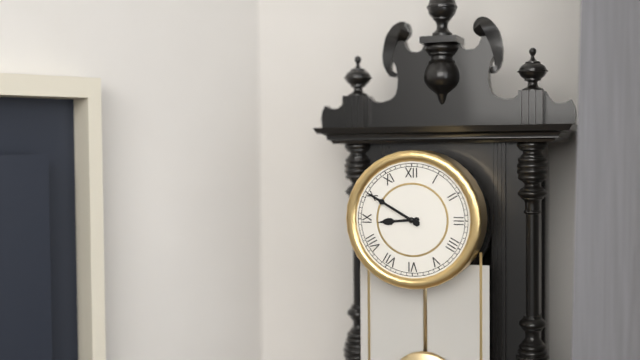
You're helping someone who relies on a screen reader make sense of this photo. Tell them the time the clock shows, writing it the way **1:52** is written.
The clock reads **8:50**
